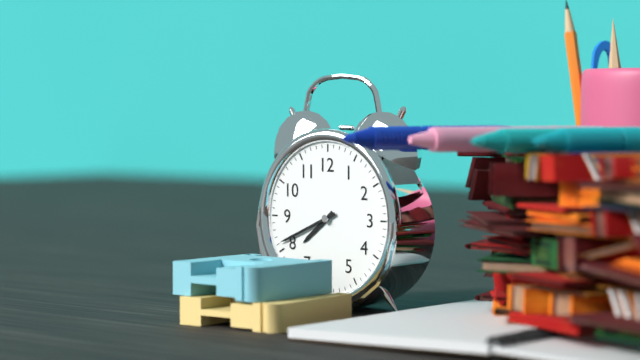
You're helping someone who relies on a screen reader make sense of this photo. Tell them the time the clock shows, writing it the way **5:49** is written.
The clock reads **7:41**
